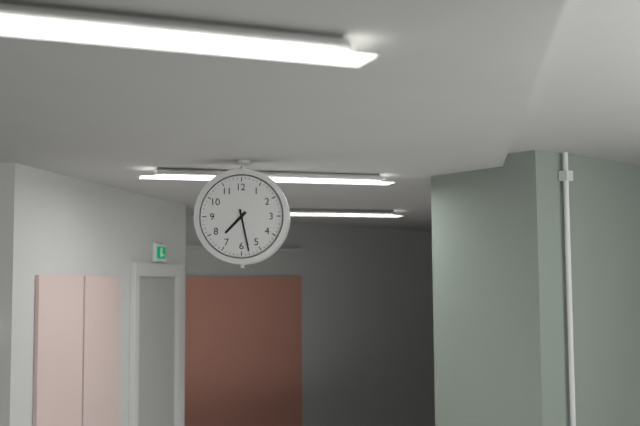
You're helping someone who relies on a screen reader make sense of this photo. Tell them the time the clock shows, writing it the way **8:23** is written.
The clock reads **7:28**
